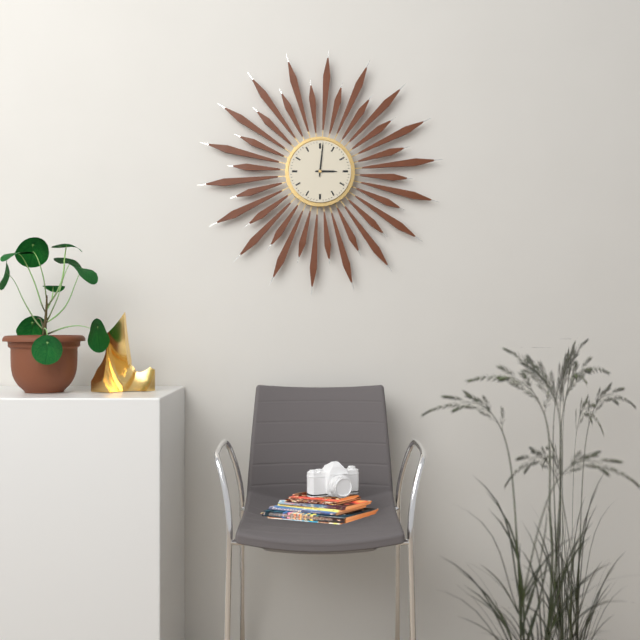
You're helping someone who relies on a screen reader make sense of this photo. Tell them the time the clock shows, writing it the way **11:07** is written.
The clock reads **3:01**
